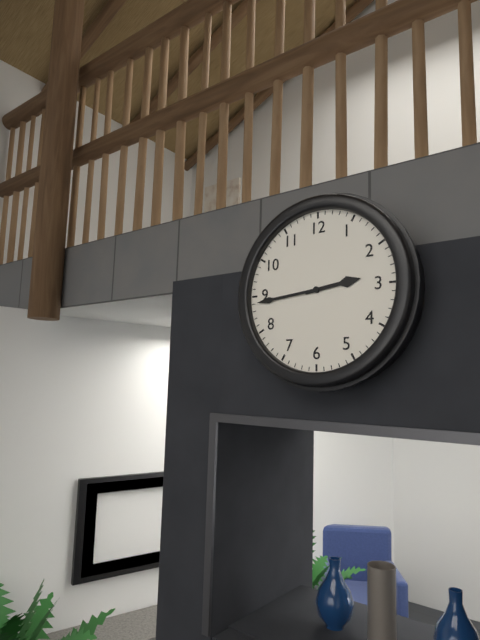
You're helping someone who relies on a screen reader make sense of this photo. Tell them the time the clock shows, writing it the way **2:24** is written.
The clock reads **2:44**
